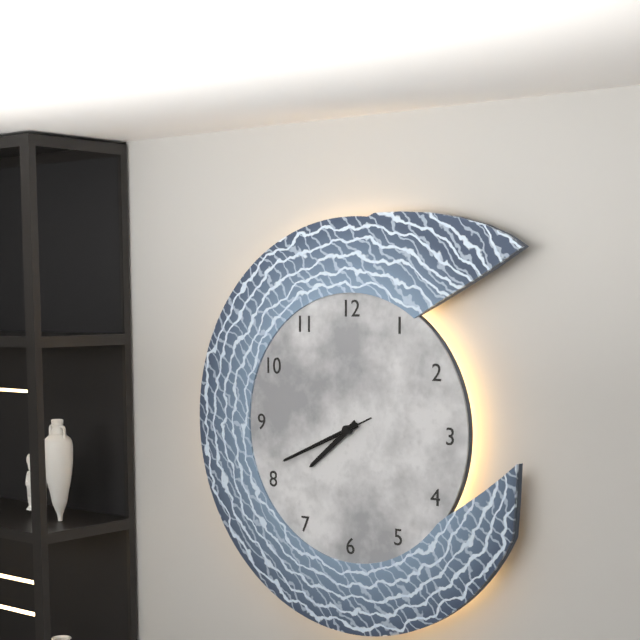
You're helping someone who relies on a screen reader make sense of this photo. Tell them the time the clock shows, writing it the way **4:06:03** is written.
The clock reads **7:41:41**
